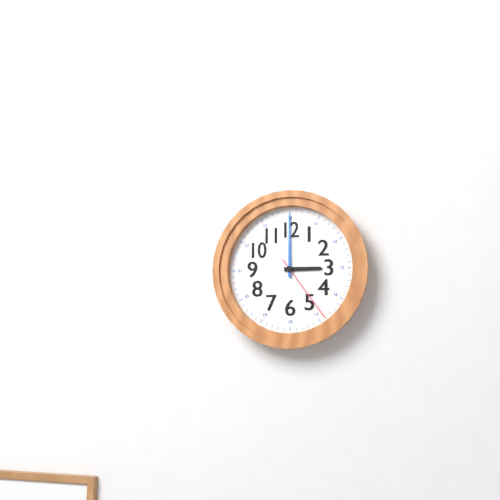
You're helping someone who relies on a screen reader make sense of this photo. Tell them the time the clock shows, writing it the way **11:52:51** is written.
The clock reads **3:00:24**
